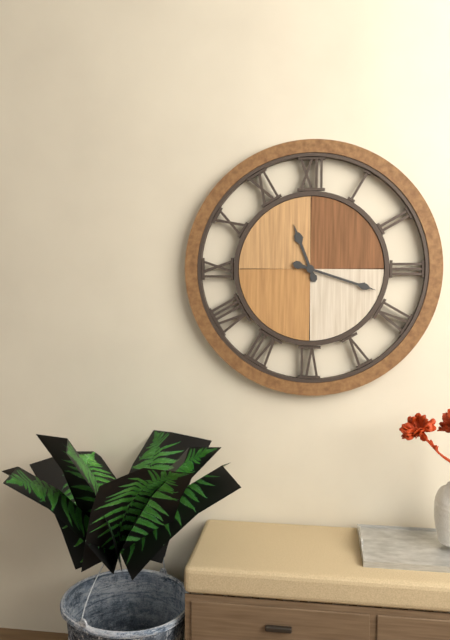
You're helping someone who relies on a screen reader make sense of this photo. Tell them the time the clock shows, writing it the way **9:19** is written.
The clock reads **11:18**
